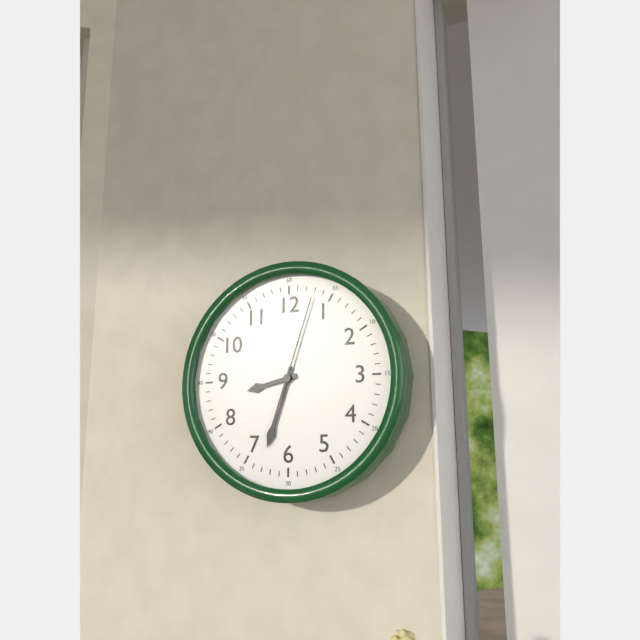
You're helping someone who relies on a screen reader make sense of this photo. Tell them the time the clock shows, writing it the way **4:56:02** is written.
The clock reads **8:33:03**
